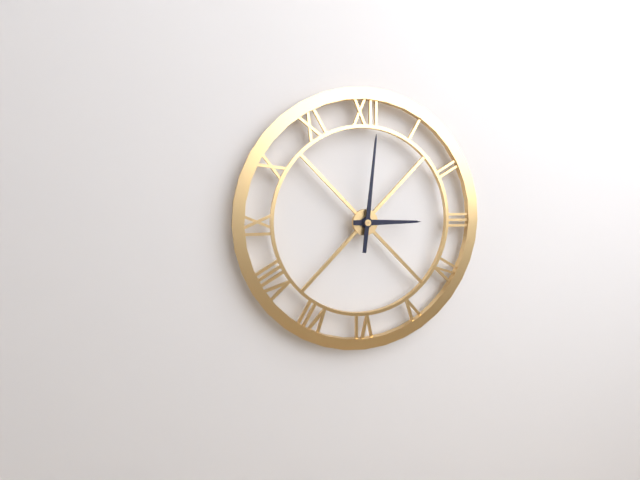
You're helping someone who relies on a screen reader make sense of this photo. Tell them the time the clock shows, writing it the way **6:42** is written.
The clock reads **3:01**
